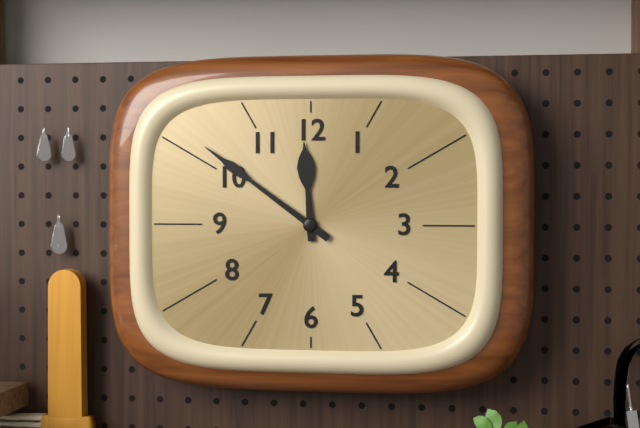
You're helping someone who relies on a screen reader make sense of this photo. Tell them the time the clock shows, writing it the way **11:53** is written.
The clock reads **11:51**
